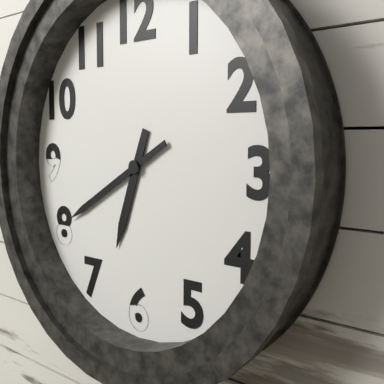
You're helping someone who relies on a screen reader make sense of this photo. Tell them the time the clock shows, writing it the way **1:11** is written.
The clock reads **6:40**
